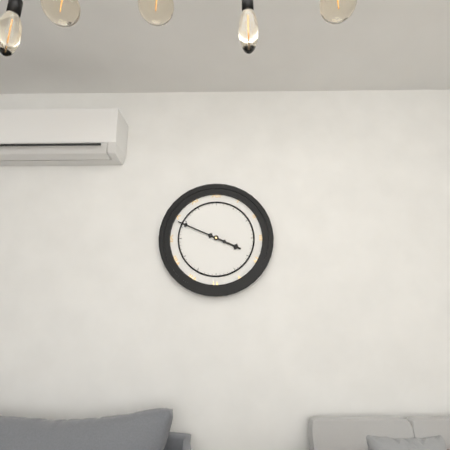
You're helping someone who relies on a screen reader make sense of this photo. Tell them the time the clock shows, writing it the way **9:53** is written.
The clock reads **3:49**
